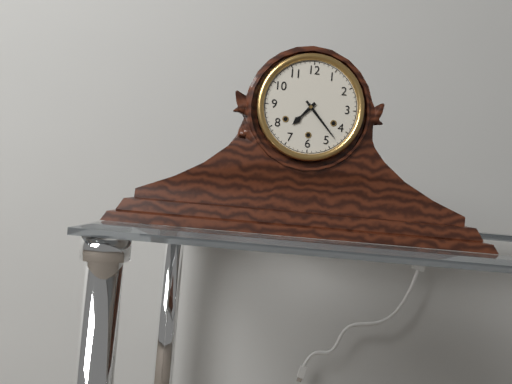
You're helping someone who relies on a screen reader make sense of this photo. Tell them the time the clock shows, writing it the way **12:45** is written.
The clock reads **7:23**
